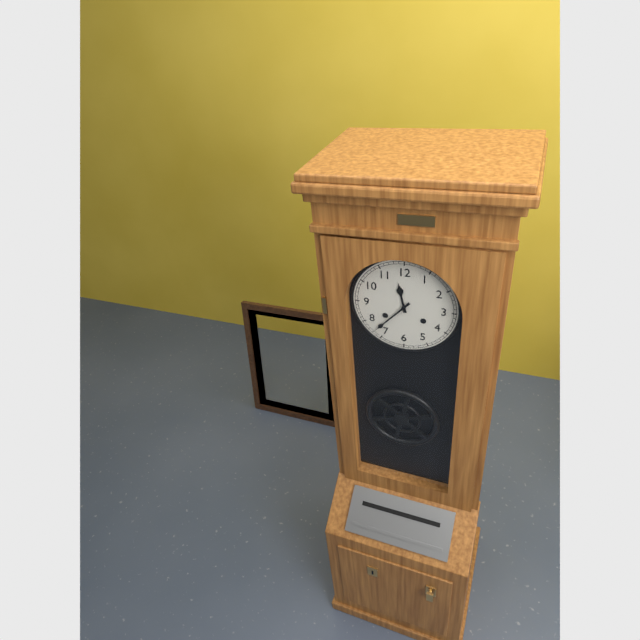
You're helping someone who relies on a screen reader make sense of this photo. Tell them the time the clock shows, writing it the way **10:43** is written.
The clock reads **11:37**
